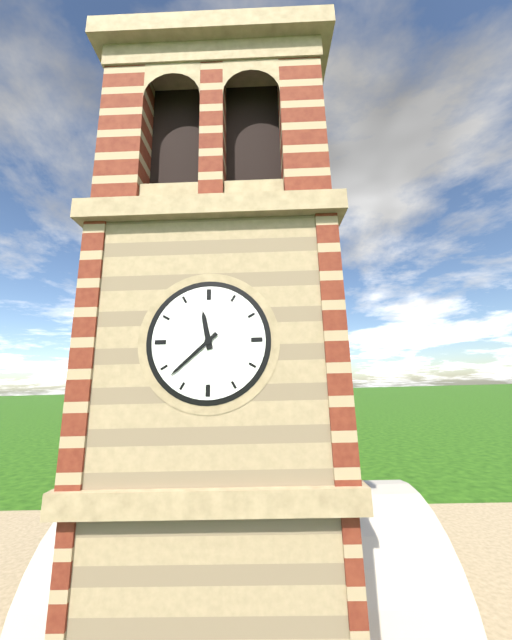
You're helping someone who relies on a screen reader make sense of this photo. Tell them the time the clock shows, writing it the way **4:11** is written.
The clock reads **11:38**
